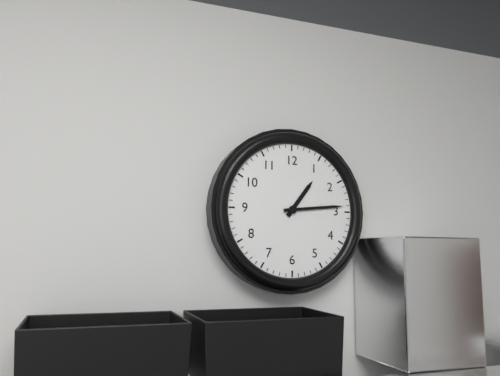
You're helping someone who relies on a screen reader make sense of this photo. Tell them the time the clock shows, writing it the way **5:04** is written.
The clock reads **1:14**
